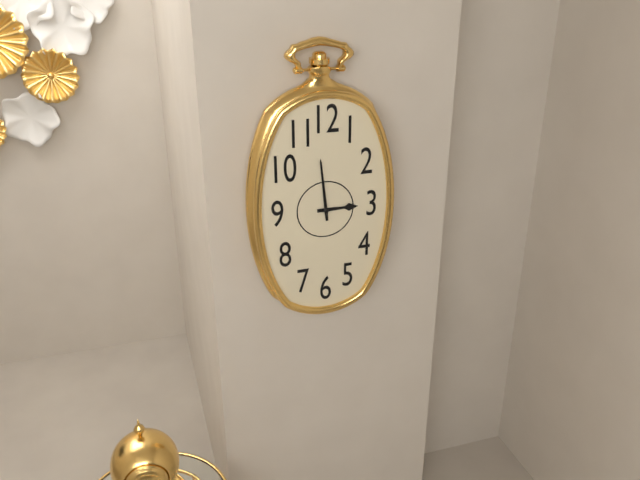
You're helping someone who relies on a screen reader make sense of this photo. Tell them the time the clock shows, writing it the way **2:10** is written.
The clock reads **2:59**
